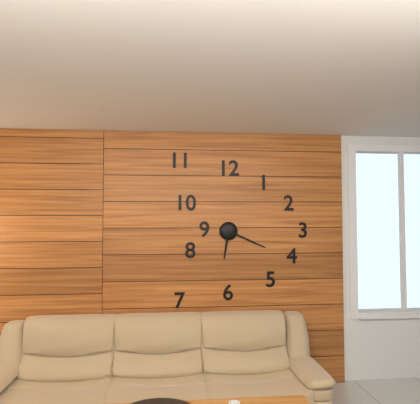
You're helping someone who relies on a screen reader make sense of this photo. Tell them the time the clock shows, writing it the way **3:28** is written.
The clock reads **6:19**
